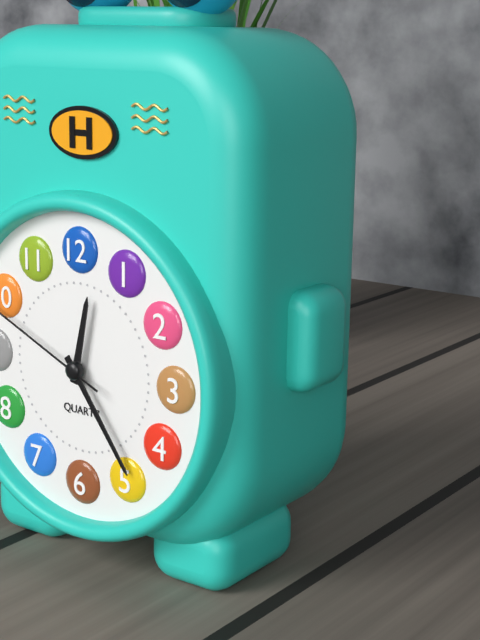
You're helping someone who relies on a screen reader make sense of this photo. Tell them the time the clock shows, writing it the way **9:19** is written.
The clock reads **12:24**
